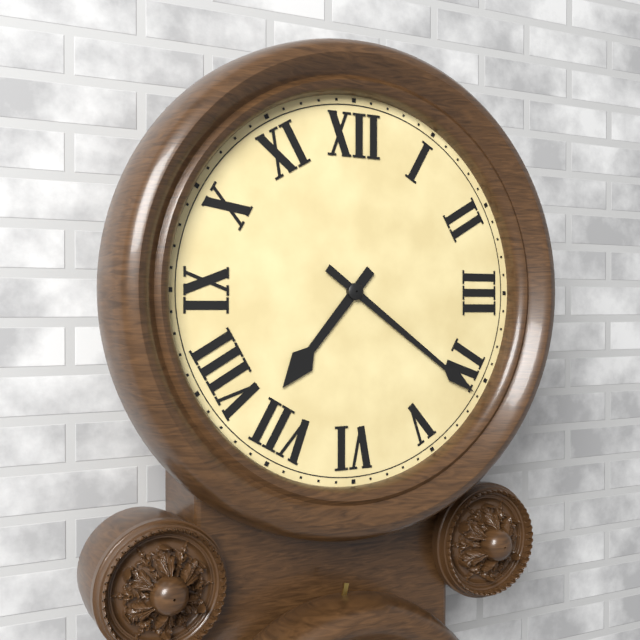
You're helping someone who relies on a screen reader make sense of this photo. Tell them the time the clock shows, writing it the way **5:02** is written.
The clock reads **7:21**
